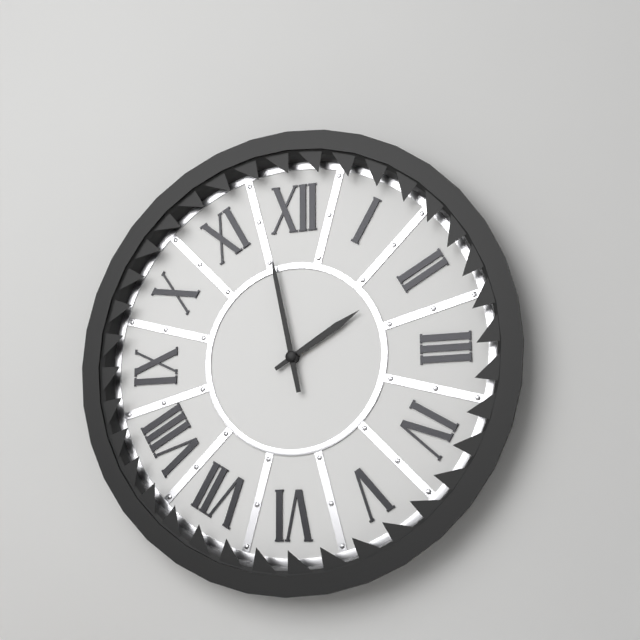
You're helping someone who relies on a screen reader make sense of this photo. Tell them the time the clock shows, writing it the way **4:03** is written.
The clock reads **1:58**
